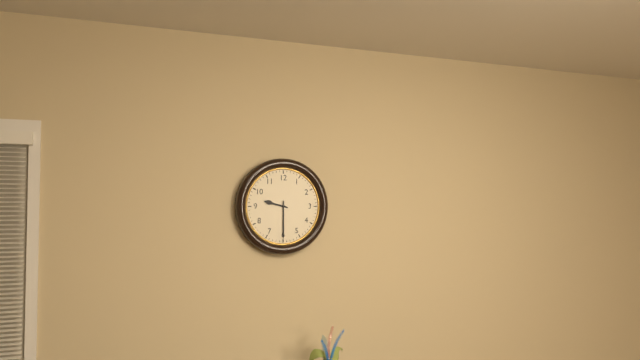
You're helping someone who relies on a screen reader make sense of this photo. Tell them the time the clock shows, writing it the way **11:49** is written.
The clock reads **9:30**
